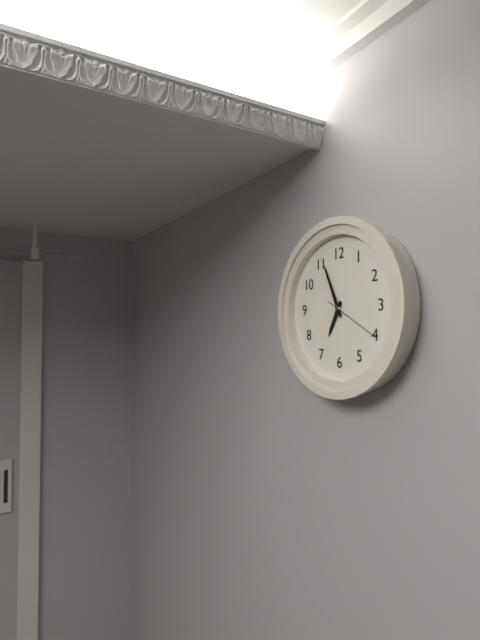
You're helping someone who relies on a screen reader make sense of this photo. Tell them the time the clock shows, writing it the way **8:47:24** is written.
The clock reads **6:56:20**
